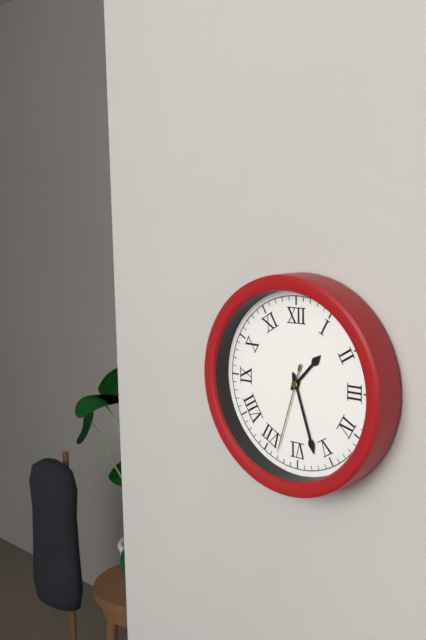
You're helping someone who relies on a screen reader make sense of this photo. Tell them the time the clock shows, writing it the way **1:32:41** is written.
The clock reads **1:27:33**
